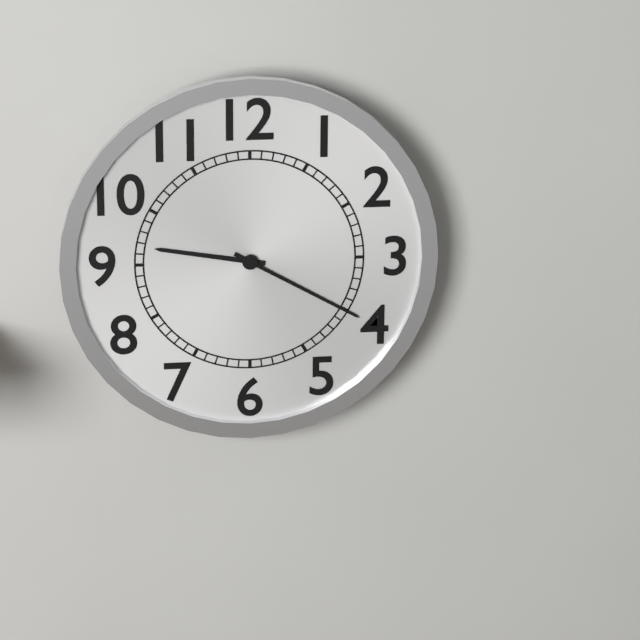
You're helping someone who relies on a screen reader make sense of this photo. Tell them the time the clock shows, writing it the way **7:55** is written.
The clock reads **9:20**
